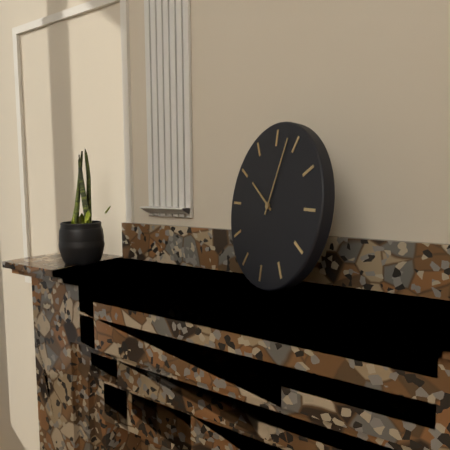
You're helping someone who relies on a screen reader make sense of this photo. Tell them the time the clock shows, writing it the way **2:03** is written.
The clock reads **10:03**
